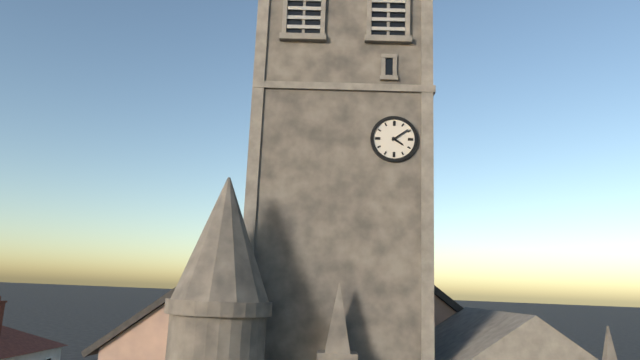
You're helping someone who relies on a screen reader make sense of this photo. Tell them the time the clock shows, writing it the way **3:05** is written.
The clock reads **4:09**
